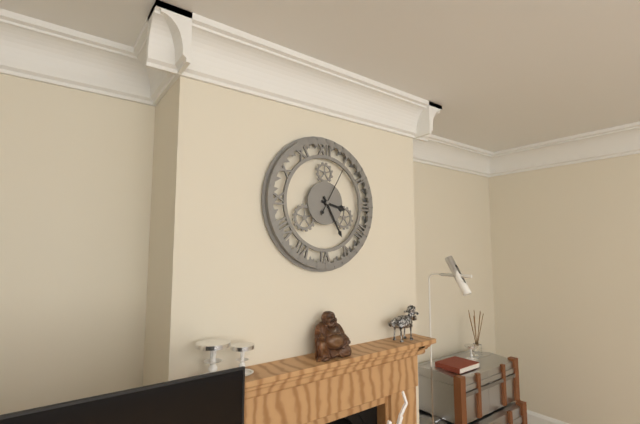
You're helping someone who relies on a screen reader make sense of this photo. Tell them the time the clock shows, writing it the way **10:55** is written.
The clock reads **3:25**
